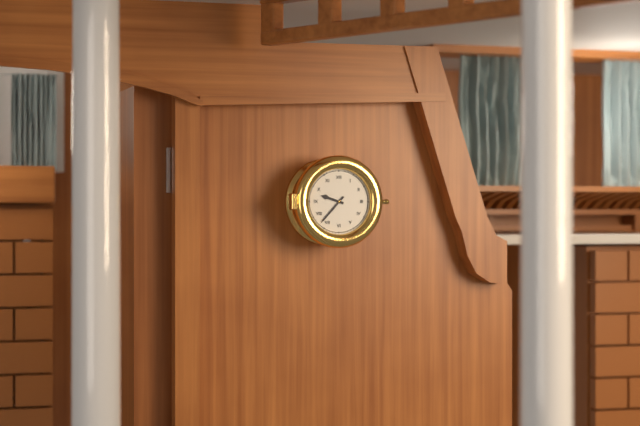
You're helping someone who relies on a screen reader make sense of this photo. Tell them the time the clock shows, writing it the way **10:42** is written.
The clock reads **9:37**
